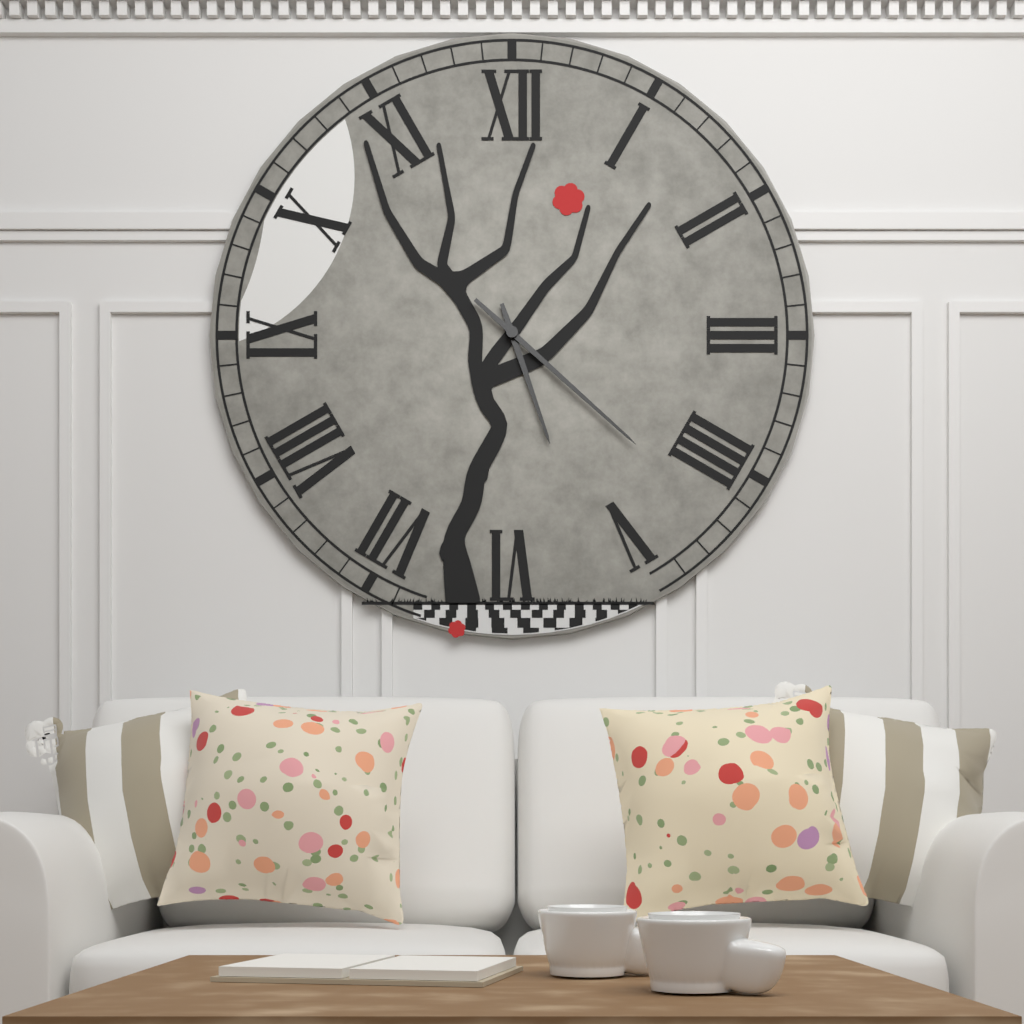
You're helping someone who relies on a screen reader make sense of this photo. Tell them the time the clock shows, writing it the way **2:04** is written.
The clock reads **5:22**
